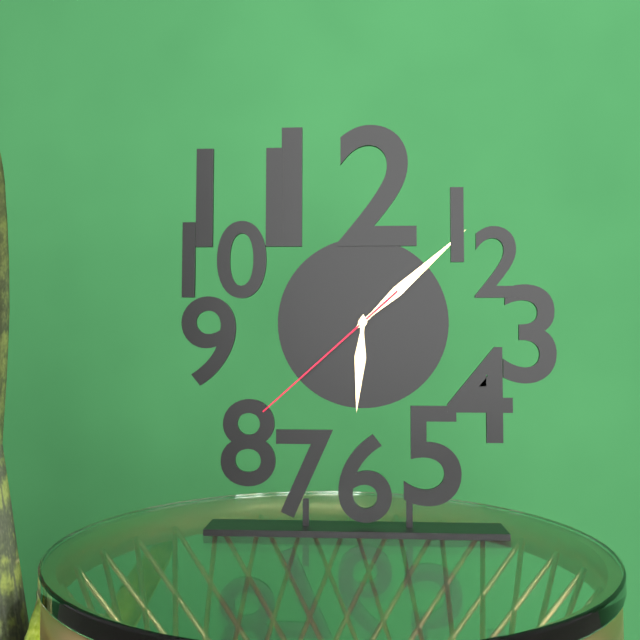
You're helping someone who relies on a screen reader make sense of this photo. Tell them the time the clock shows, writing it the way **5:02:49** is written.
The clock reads **6:08:38**
